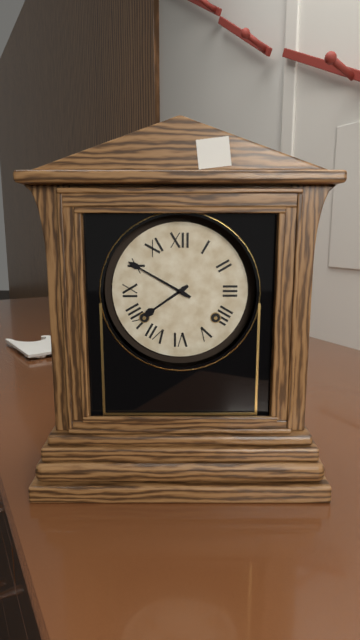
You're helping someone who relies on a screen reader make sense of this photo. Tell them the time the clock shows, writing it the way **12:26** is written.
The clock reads **7:50**
